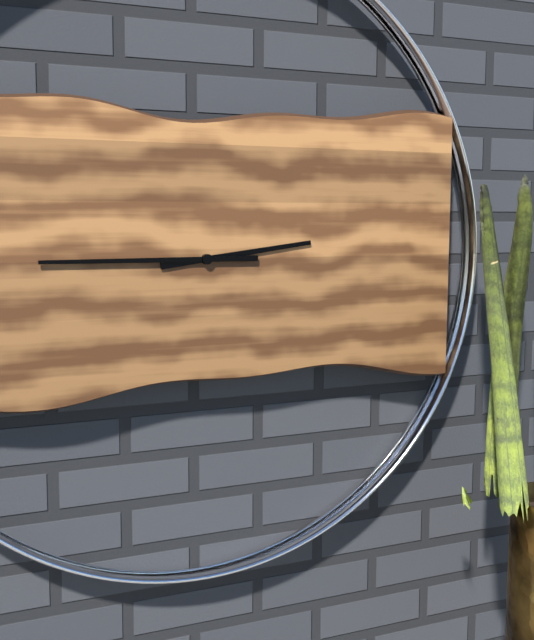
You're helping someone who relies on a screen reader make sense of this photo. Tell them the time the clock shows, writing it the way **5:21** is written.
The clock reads **2:45**
